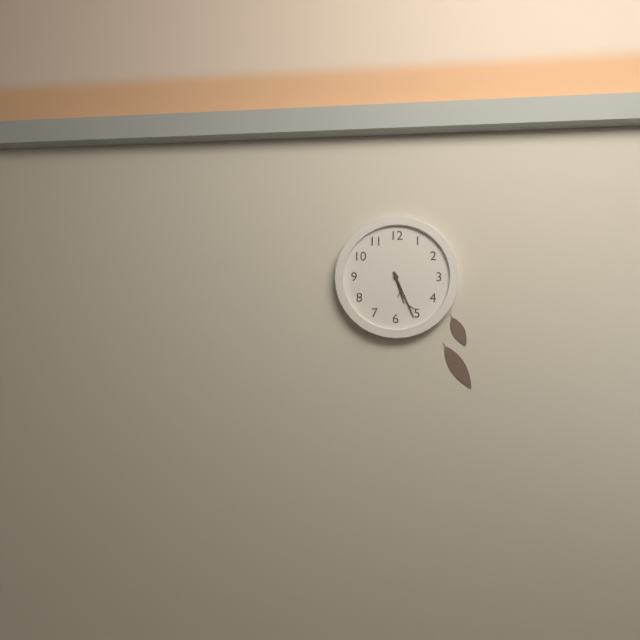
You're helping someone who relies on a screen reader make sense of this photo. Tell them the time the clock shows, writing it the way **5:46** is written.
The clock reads **5:26**
